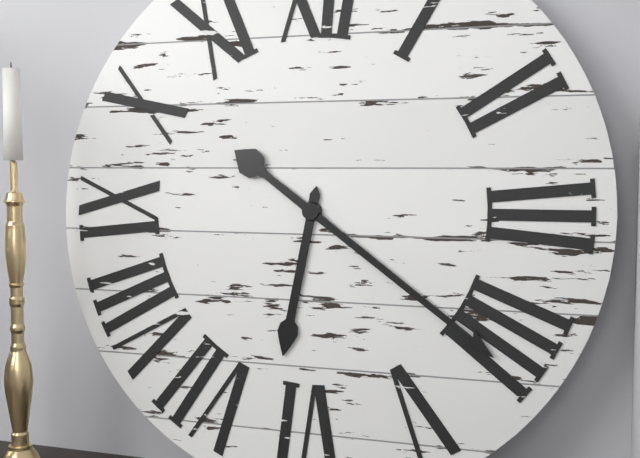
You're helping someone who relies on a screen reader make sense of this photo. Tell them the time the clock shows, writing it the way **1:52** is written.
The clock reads **6:21**
